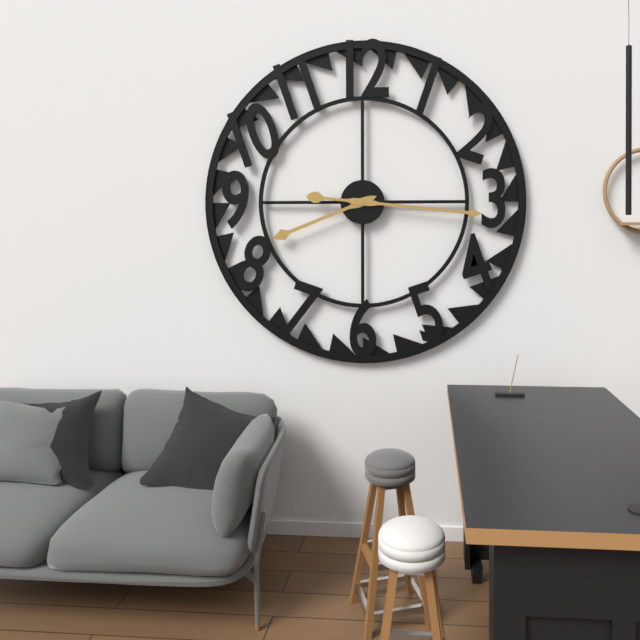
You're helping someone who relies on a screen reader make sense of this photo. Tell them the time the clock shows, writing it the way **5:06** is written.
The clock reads **8:16**
